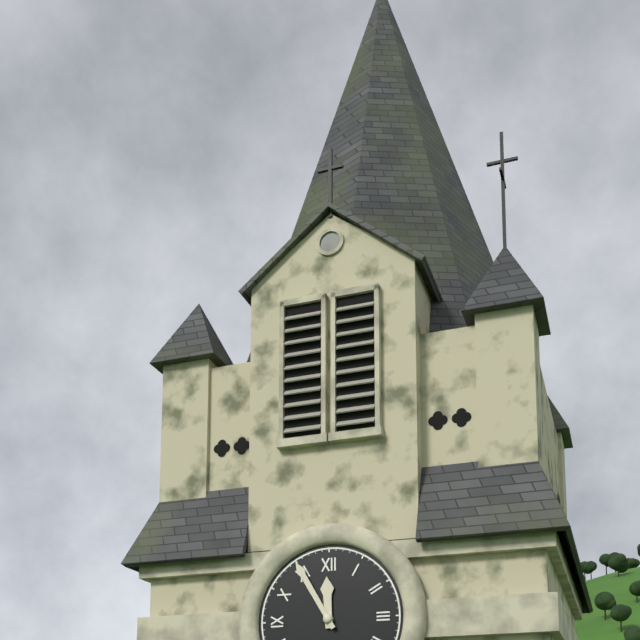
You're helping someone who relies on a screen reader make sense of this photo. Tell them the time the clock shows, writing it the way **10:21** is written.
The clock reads **11:55**
